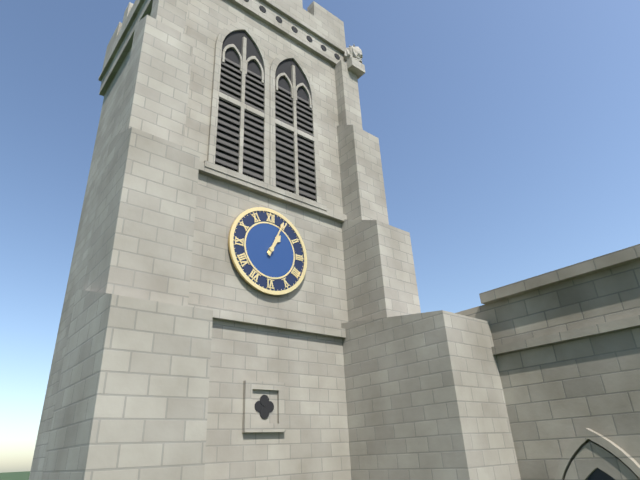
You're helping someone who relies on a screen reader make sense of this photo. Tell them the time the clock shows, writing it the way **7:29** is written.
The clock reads **1:04**
